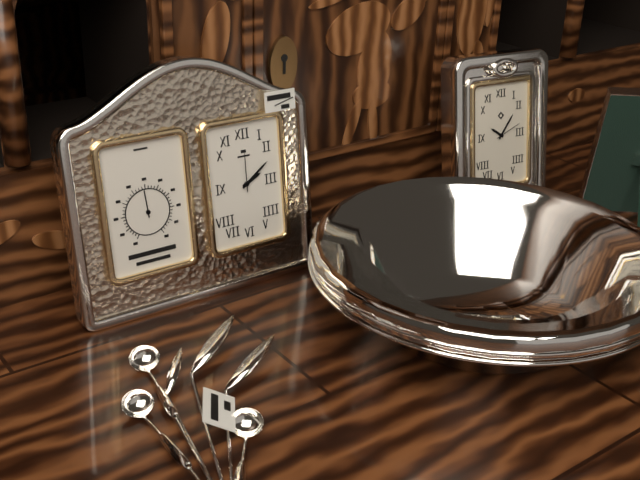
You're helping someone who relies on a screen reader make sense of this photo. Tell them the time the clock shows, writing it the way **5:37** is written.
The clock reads **2:09**
